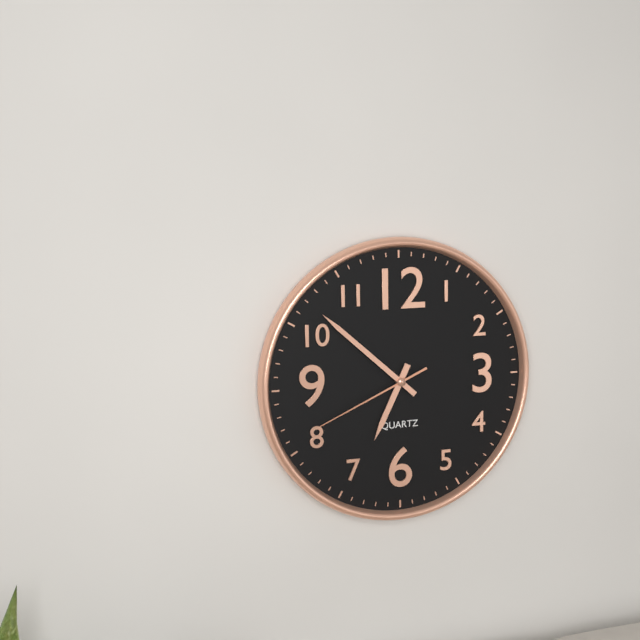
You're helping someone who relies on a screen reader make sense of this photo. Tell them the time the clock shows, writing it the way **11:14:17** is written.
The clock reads **6:52:41**
